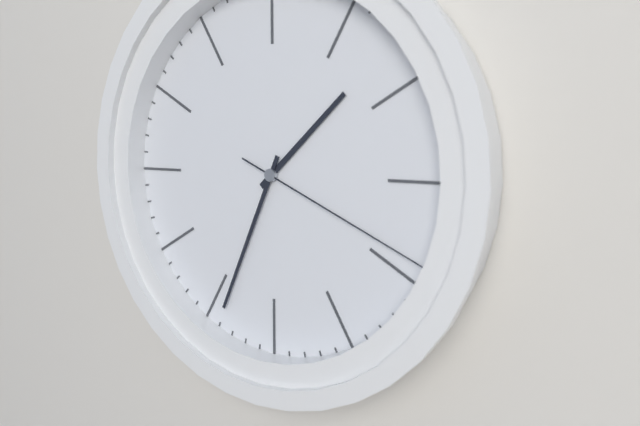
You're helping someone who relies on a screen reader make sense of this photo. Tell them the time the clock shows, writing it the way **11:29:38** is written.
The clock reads **1:34:19**
